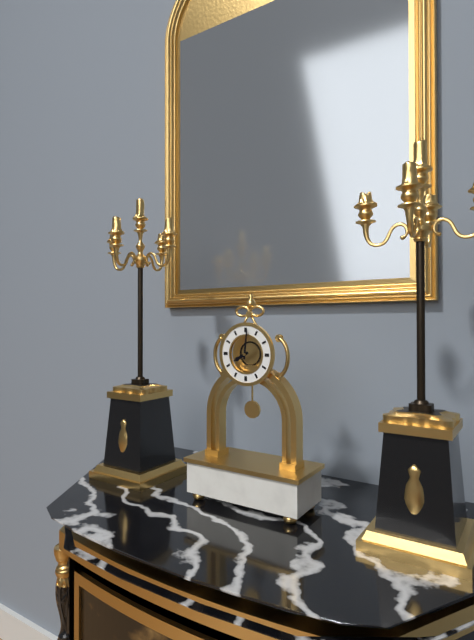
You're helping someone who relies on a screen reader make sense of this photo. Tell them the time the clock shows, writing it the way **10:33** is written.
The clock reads **8:01**
